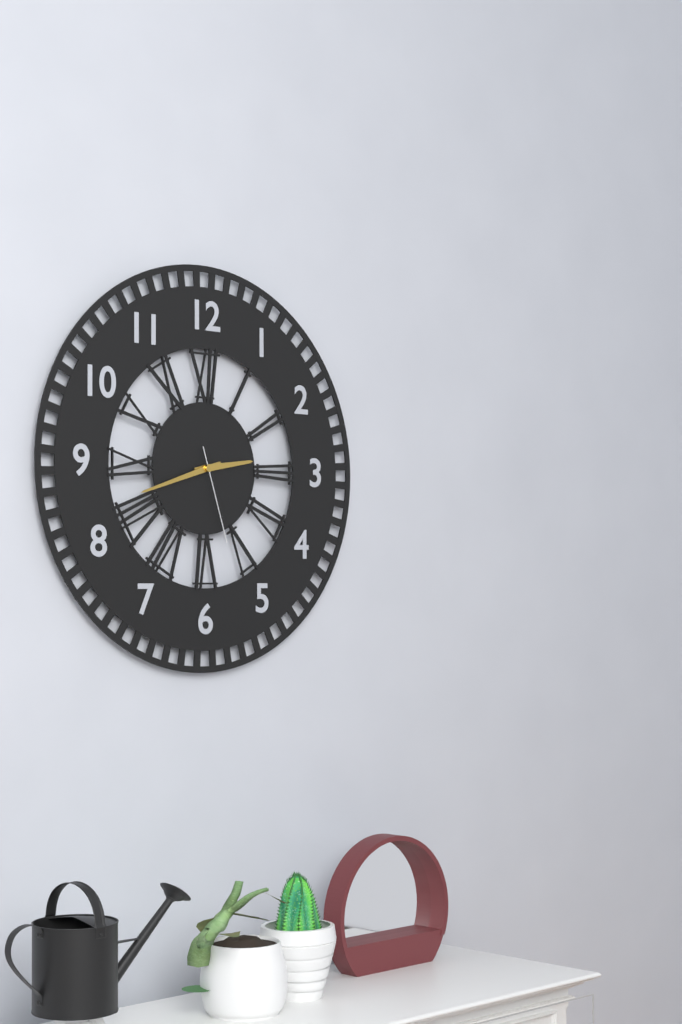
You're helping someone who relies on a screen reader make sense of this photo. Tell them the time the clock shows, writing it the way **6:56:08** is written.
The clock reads **2:42:27**
